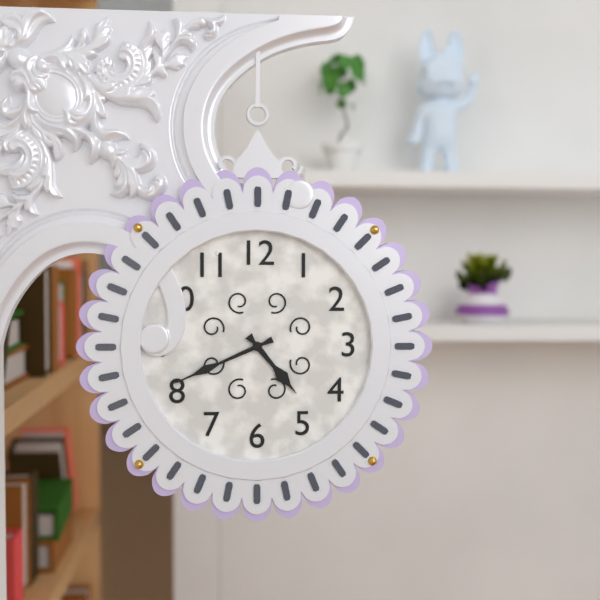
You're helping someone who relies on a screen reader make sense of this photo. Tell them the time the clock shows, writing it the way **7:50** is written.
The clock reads **4:41**
